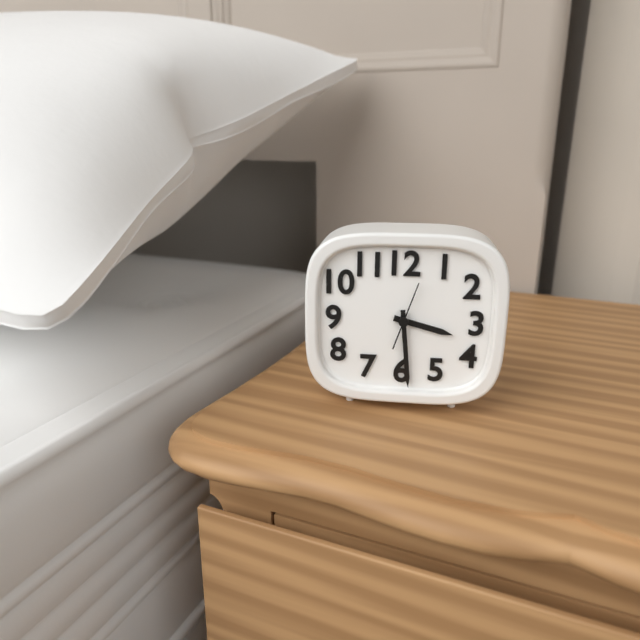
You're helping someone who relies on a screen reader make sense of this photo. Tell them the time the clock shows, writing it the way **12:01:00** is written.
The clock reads **3:29:03**
